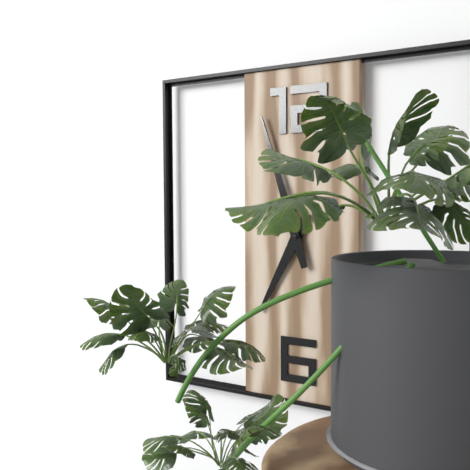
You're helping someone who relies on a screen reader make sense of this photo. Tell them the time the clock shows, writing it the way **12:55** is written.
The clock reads **6:57**
